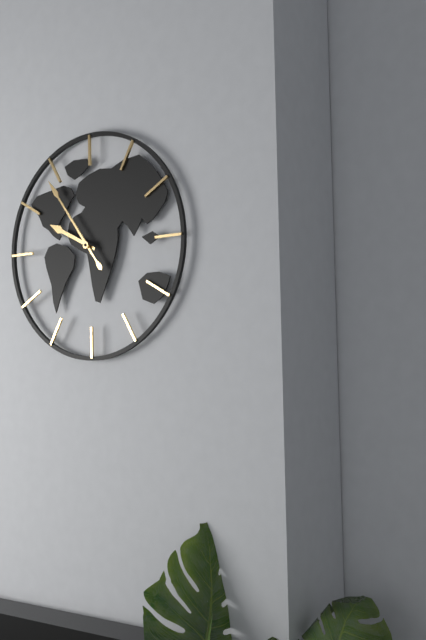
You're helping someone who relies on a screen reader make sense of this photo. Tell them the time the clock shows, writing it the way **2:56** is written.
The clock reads **9:54**
